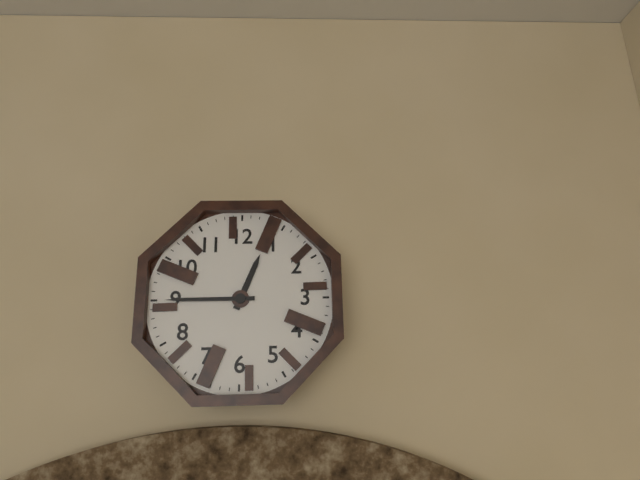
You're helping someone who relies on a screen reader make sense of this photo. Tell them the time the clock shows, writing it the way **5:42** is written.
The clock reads **12:45**
